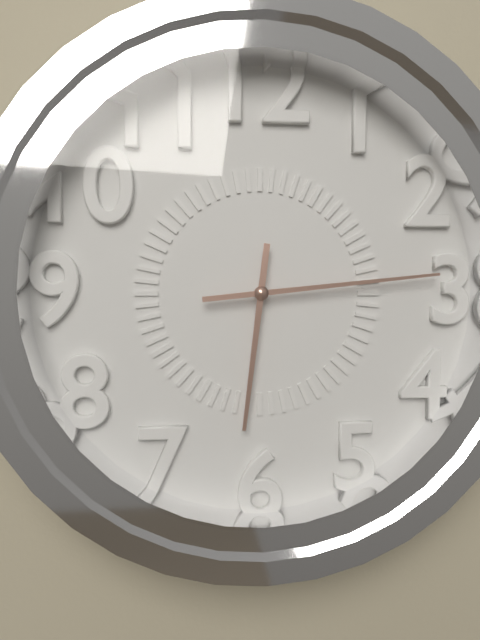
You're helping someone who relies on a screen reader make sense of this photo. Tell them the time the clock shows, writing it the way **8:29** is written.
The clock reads **6:14**
